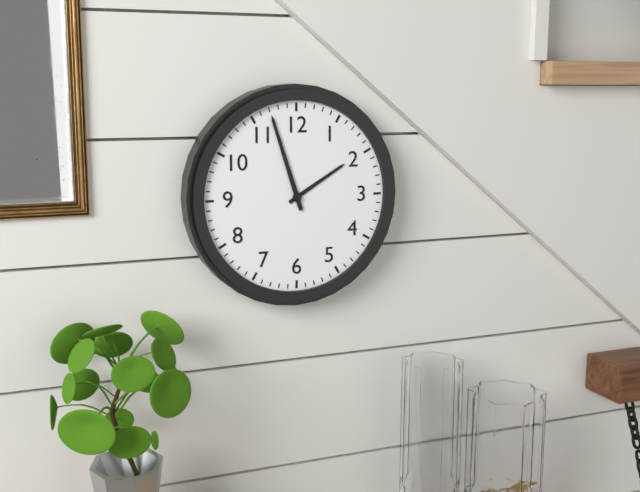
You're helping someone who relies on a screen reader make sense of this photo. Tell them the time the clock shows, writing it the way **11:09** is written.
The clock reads **1:57**
